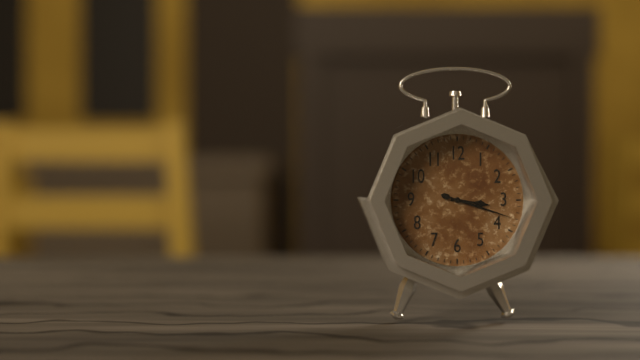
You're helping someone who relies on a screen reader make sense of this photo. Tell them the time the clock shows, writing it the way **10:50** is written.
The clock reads **3:18**
